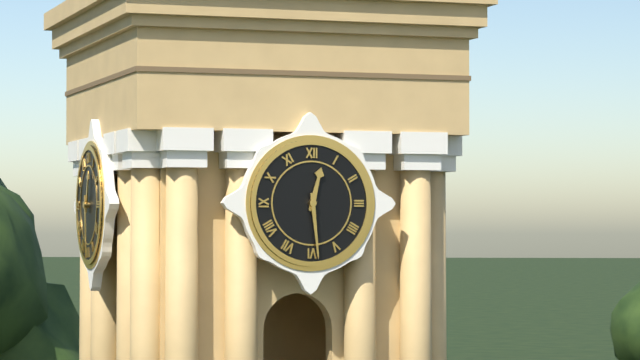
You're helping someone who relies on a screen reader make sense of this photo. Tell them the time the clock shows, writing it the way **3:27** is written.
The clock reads **12:29**
